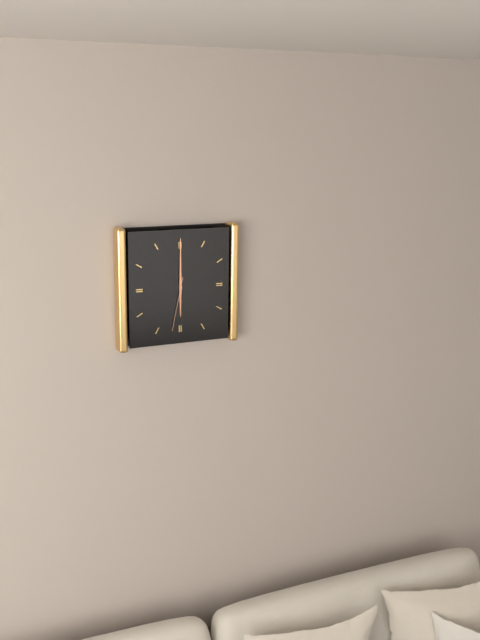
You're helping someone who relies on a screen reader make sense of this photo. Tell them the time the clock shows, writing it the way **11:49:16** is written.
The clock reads **6:00:32**
